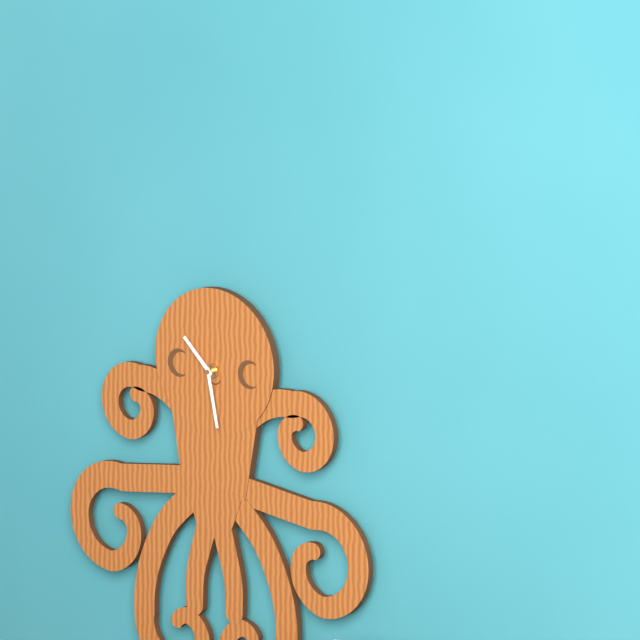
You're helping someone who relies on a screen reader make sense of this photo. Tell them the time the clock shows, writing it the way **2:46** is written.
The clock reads **10:28**
